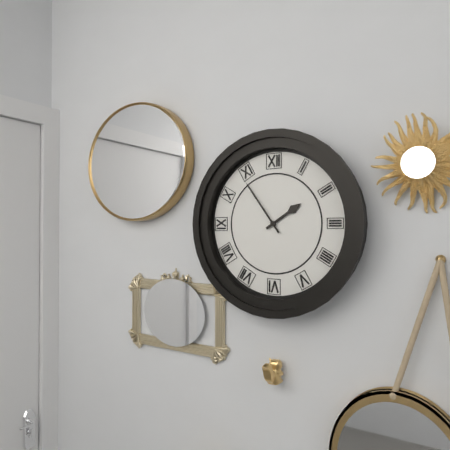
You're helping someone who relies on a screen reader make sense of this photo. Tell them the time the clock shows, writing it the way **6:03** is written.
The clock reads **1:54**
